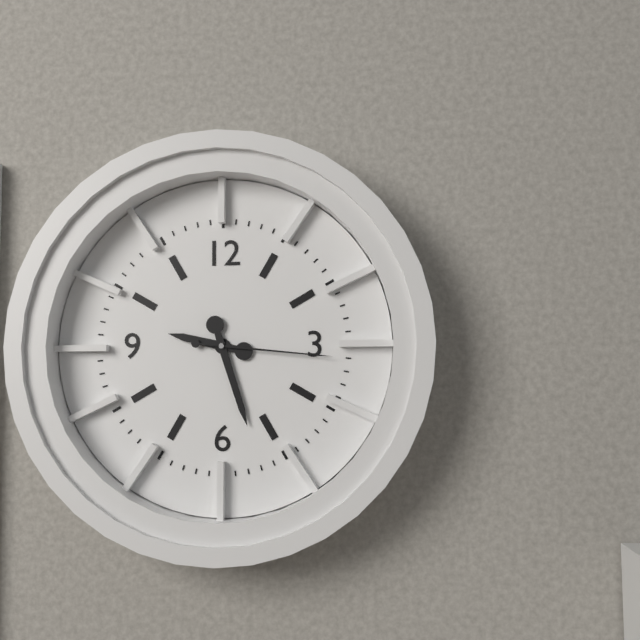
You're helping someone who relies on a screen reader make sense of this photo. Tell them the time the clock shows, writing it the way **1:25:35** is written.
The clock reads **9:27:16**
